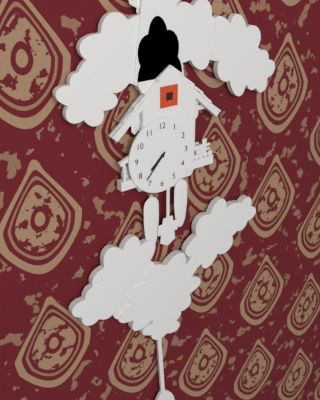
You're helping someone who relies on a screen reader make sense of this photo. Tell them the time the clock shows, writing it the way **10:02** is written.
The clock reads **7:37**
